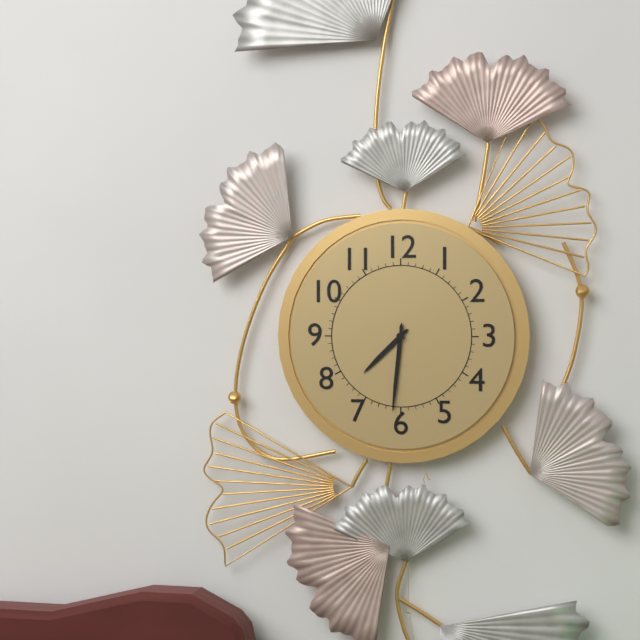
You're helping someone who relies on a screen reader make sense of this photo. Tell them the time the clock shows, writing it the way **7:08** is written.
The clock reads **7:31**
